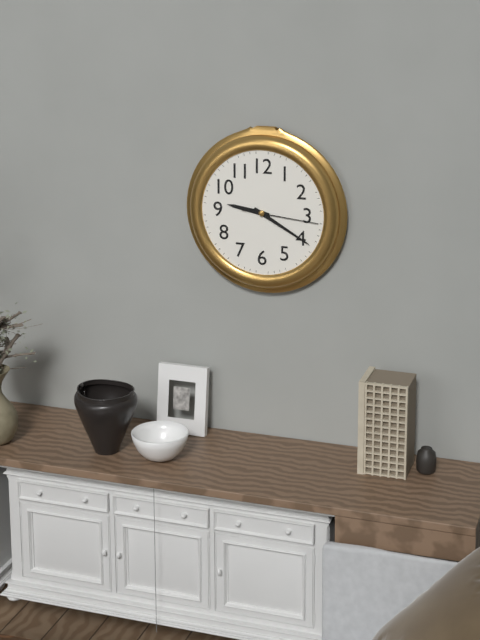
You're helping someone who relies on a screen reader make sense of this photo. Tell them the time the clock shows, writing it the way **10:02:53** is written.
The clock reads **9:20:16**
